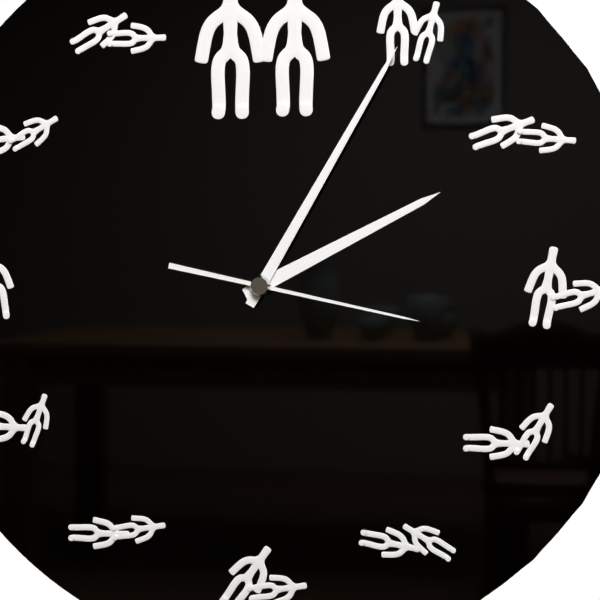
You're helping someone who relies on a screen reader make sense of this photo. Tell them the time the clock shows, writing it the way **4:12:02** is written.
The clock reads **2:05:17**
